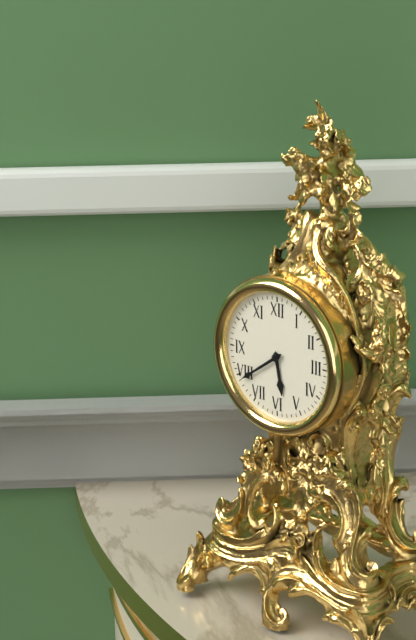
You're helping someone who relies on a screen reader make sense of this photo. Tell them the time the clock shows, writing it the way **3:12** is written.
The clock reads **5:39**
